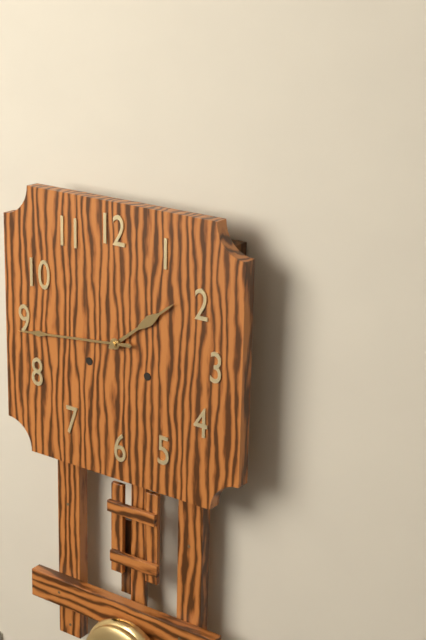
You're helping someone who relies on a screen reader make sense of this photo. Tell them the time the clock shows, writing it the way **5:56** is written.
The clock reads **1:44**
